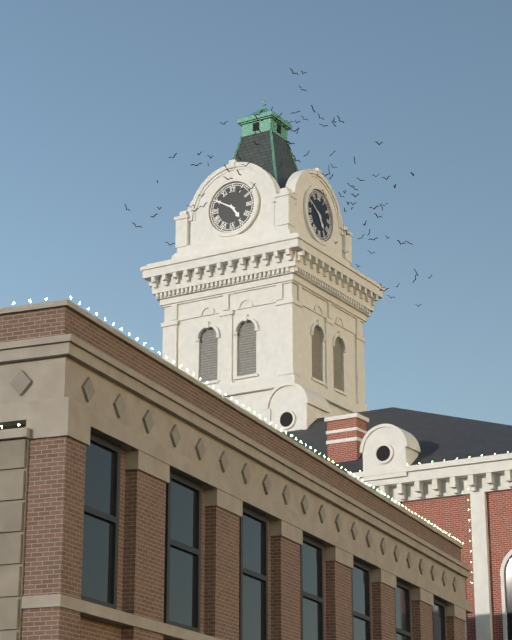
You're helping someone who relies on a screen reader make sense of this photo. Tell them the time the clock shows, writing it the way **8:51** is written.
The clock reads **4:50**
